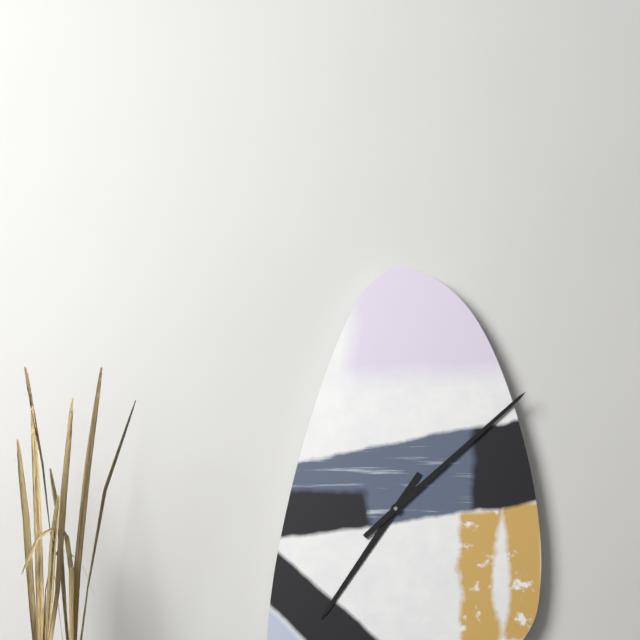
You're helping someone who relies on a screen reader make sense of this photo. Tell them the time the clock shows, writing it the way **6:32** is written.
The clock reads **7:08**
